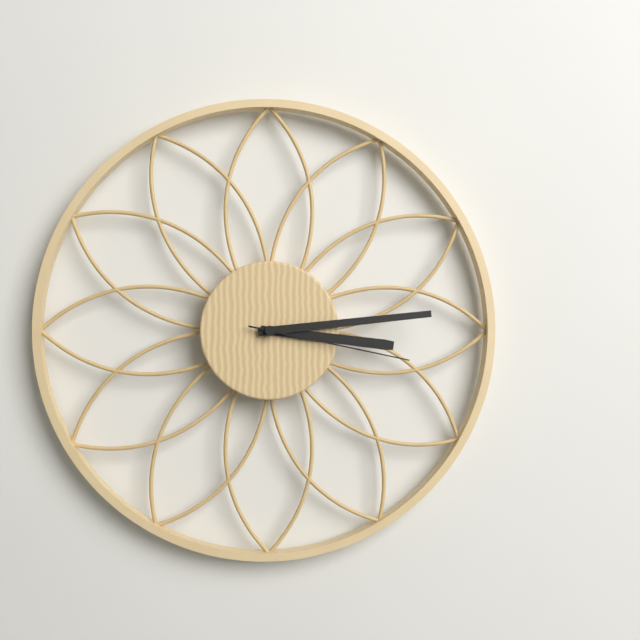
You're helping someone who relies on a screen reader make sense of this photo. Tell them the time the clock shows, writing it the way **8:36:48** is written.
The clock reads **3:14:17**
